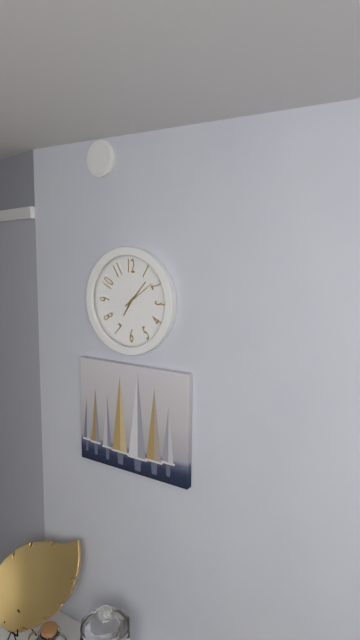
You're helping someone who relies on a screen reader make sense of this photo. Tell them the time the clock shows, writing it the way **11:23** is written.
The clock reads **7:07**
